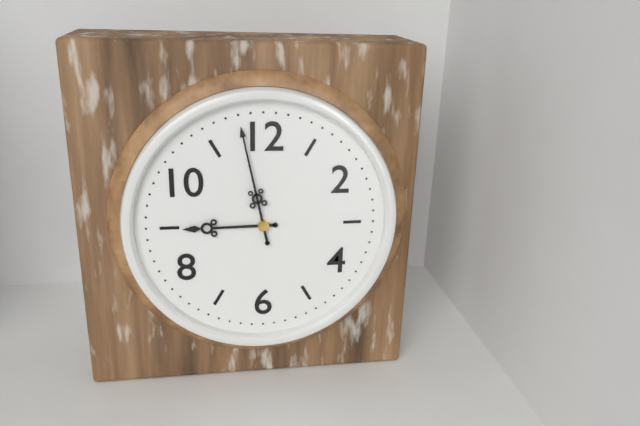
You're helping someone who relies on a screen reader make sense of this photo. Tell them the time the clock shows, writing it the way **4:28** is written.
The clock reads **8:58**
